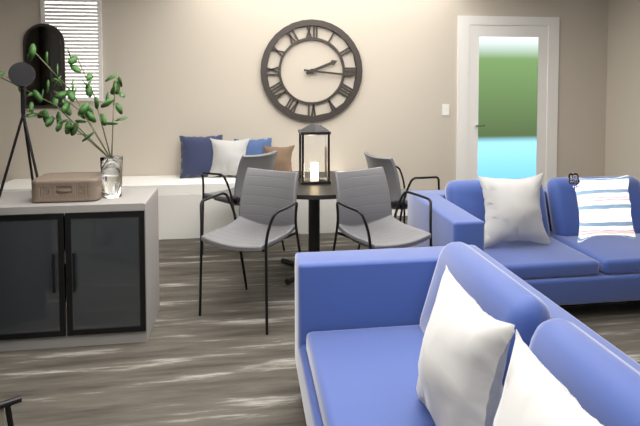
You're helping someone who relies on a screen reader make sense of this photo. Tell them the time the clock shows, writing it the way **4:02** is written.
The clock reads **2:16**
